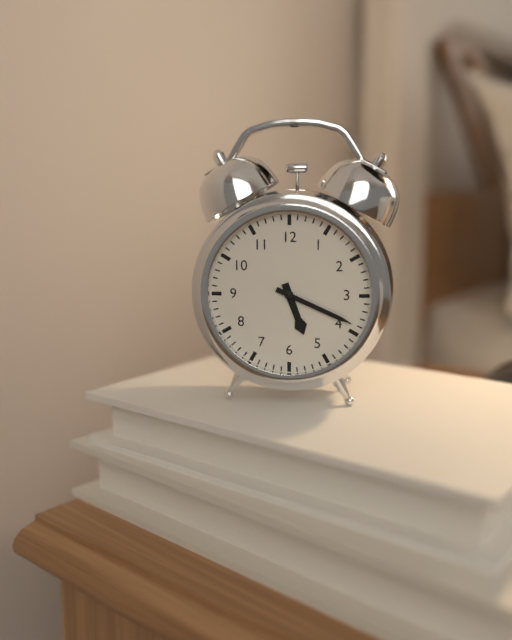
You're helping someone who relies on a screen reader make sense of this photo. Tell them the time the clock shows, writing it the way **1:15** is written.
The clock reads **5:19**
